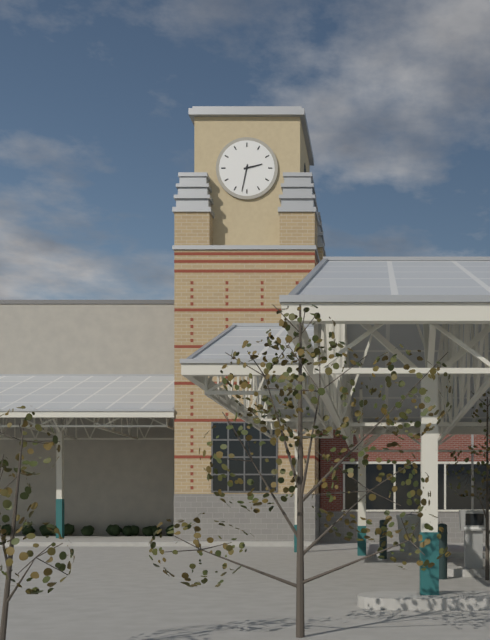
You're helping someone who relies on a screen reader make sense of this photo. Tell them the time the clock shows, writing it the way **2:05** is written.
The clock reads **2:32**
